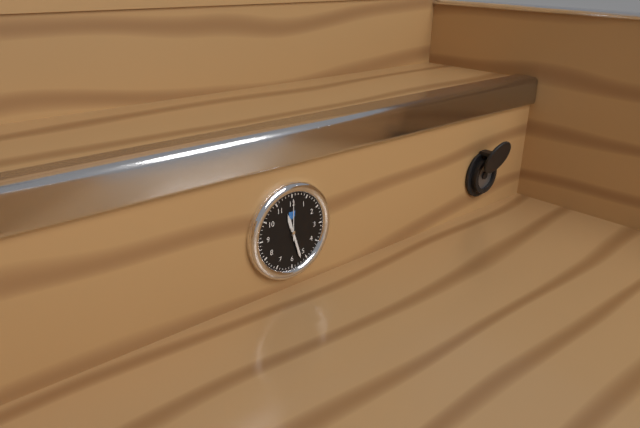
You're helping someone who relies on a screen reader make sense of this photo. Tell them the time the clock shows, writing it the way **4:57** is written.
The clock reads **11:27**
